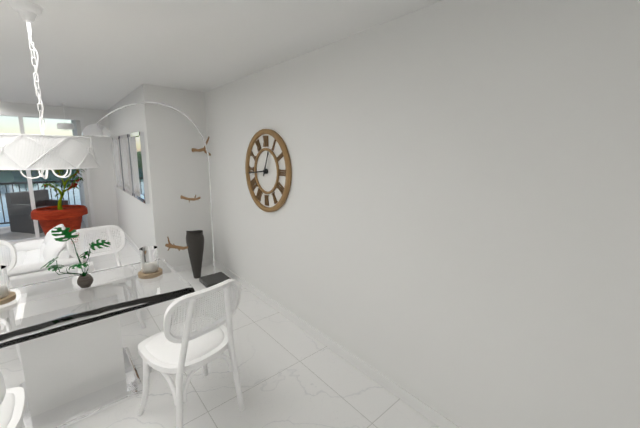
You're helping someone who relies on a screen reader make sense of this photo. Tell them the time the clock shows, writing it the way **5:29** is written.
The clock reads **12:44**
